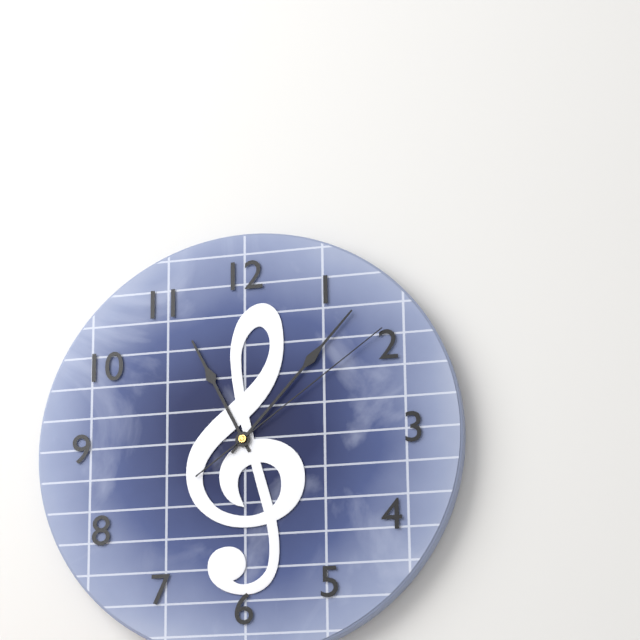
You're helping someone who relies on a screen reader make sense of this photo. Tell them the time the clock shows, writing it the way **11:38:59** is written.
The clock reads **11:07:09**
